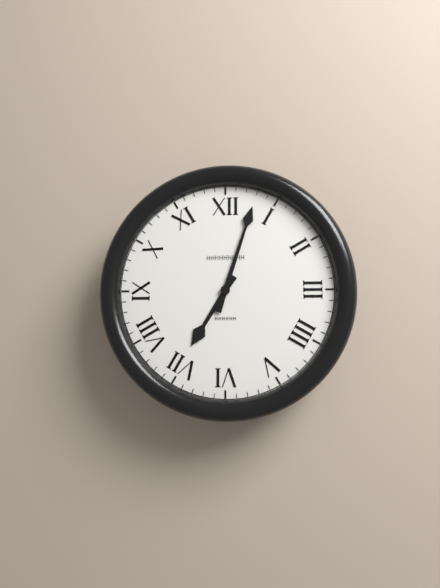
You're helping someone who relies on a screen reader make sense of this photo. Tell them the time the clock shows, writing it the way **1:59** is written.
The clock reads **7:03**
